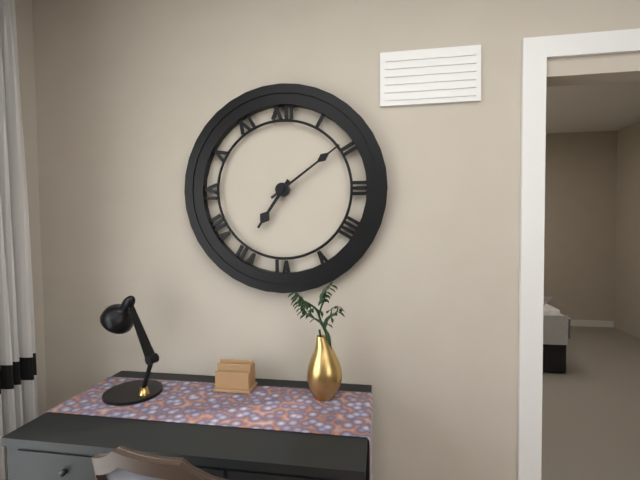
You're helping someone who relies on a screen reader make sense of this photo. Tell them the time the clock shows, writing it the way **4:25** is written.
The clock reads **7:09**
